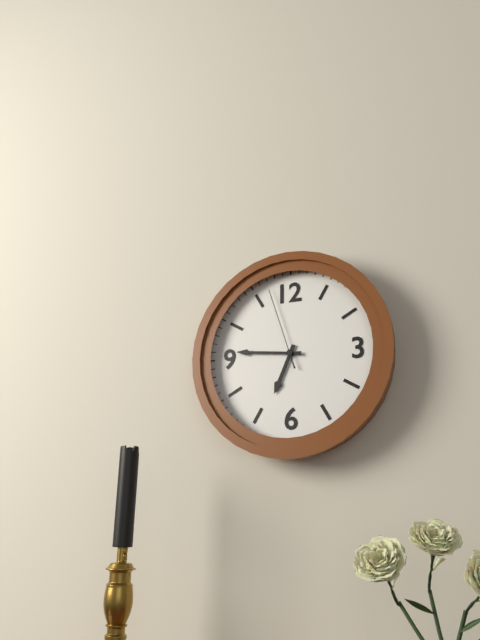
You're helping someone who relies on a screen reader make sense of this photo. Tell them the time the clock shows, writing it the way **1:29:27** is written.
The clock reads **6:46:57**
